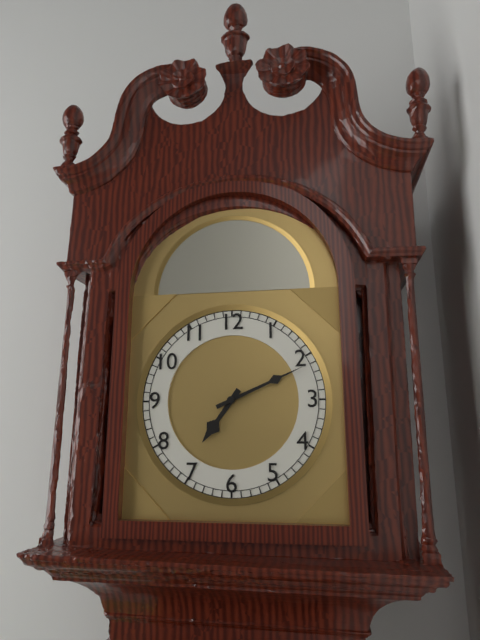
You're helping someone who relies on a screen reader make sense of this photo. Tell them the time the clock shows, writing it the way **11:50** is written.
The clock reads **7:11**
